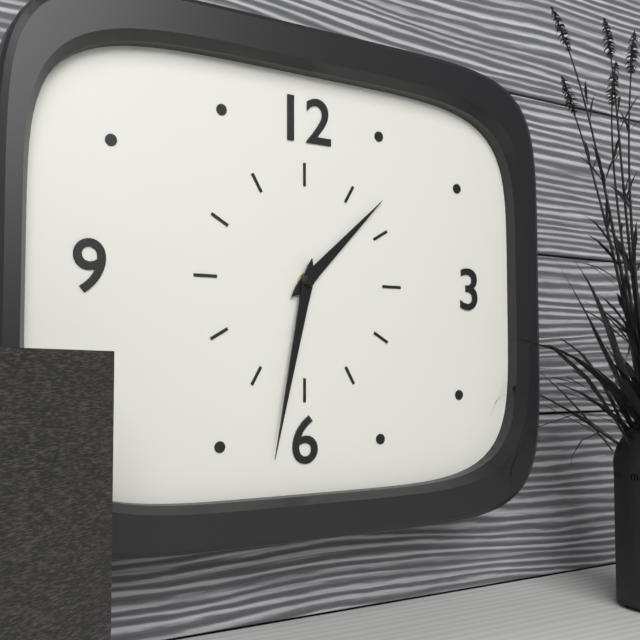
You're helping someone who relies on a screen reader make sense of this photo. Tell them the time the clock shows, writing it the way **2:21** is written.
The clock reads **1:32**
